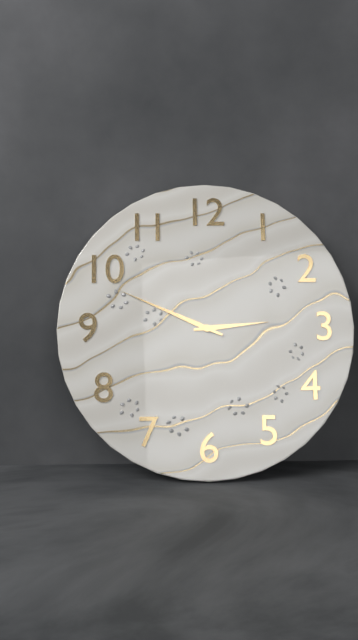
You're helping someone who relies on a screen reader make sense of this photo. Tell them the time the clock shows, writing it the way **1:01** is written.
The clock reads **2:49**
